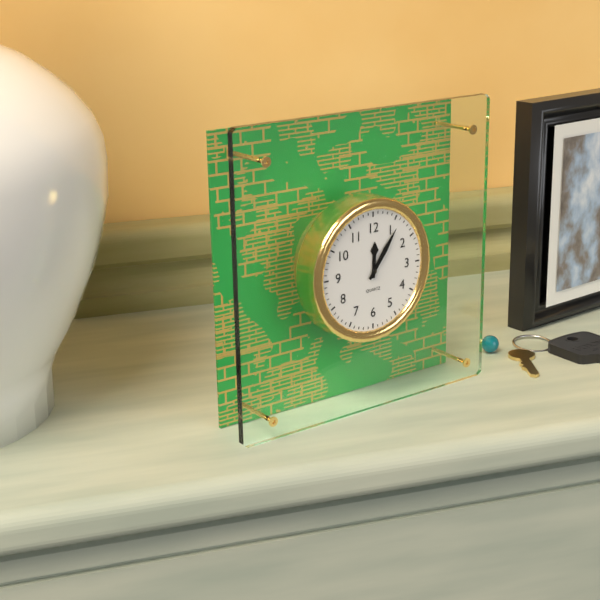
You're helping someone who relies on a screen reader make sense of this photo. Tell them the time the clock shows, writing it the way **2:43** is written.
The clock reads **12:06**
